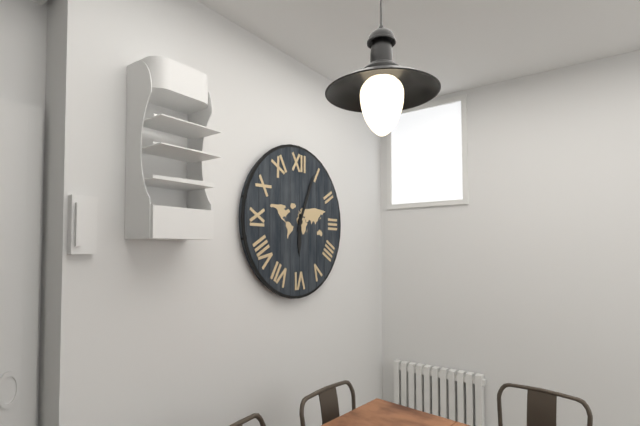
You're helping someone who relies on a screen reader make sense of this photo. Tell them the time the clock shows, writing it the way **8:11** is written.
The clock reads **6:04**
